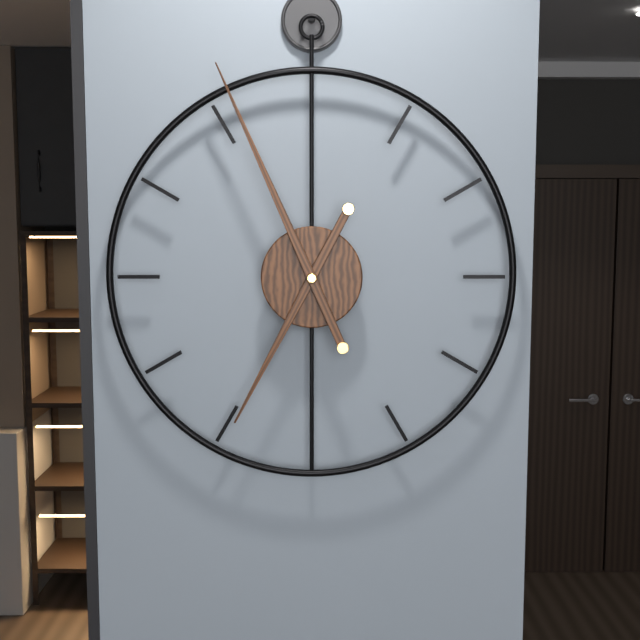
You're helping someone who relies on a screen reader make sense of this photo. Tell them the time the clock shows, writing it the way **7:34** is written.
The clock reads **6:56**
